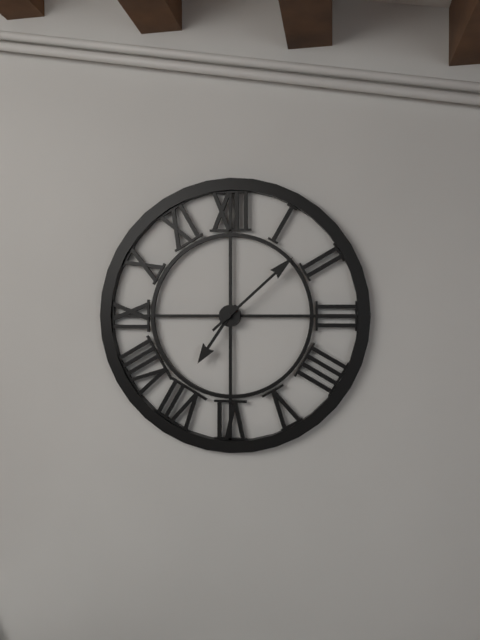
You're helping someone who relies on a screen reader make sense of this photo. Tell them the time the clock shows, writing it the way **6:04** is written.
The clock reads **7:08**
